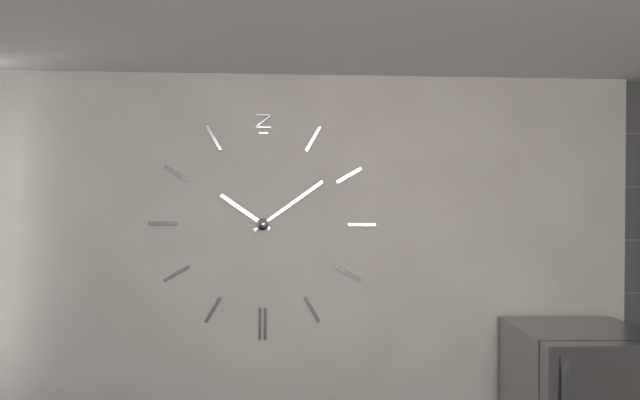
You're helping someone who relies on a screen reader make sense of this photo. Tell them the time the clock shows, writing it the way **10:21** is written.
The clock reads **10:09**
